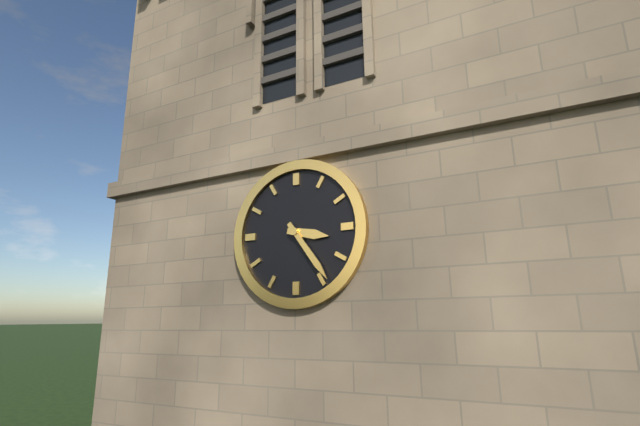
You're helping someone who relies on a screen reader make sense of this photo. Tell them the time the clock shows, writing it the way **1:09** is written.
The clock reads **3:24**
